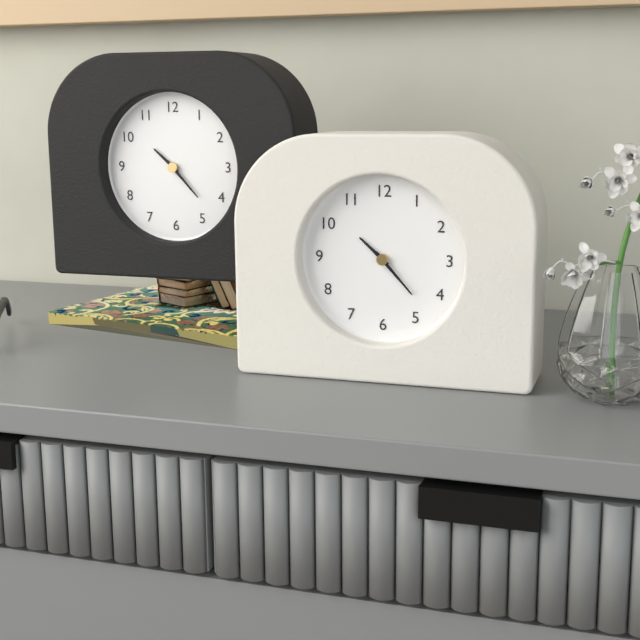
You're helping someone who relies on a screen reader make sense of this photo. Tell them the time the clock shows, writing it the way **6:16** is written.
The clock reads **10:23**
